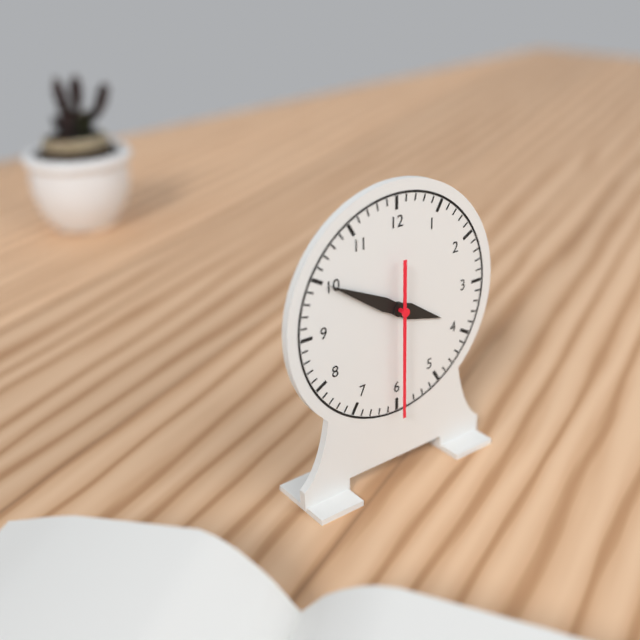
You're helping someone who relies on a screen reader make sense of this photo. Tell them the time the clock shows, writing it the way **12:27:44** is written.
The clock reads **3:50:30**
